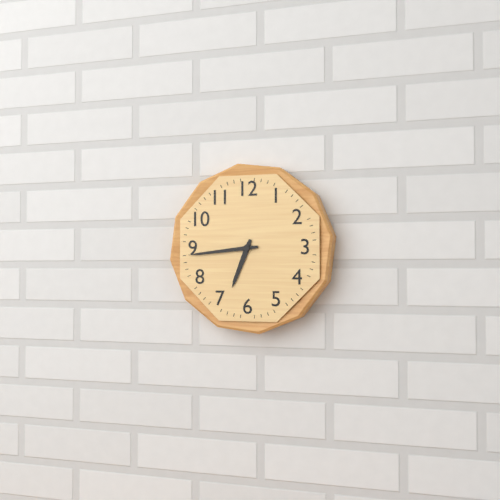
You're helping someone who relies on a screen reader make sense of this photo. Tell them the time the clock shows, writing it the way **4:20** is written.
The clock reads **6:44**
